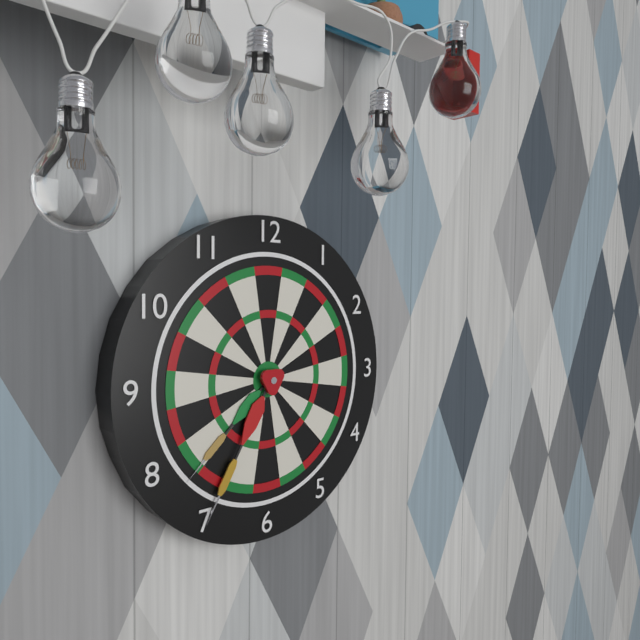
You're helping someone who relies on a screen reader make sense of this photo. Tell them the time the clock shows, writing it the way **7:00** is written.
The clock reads **7:35**
